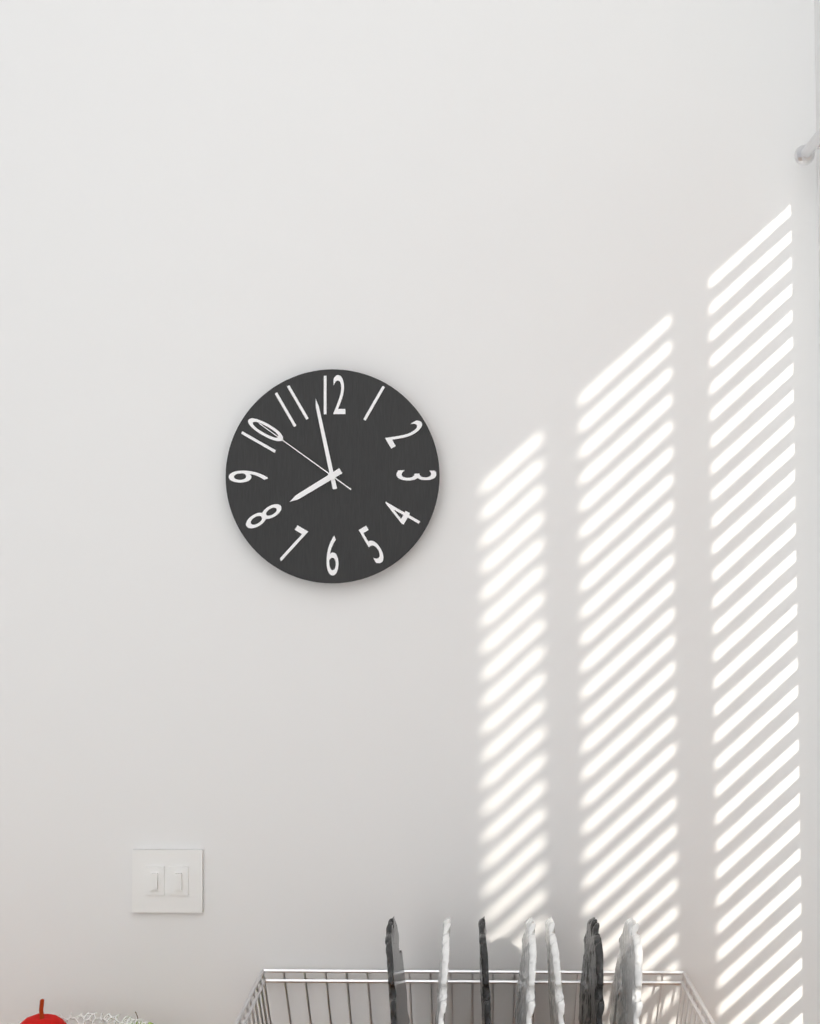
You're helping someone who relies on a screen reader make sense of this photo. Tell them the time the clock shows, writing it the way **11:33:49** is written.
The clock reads **7:58:51**
